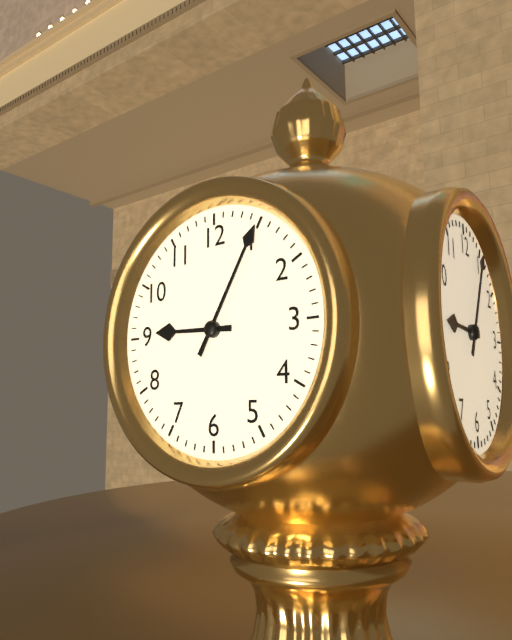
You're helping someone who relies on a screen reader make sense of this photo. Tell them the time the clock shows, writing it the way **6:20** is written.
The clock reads **9:05**
